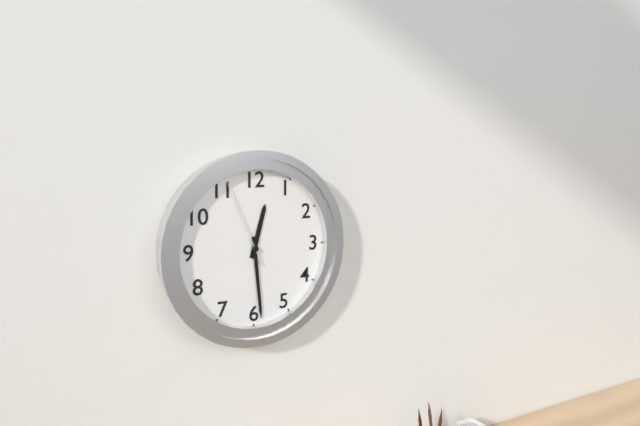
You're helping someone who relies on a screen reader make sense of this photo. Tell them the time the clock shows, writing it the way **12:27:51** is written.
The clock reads **12:29:56**
